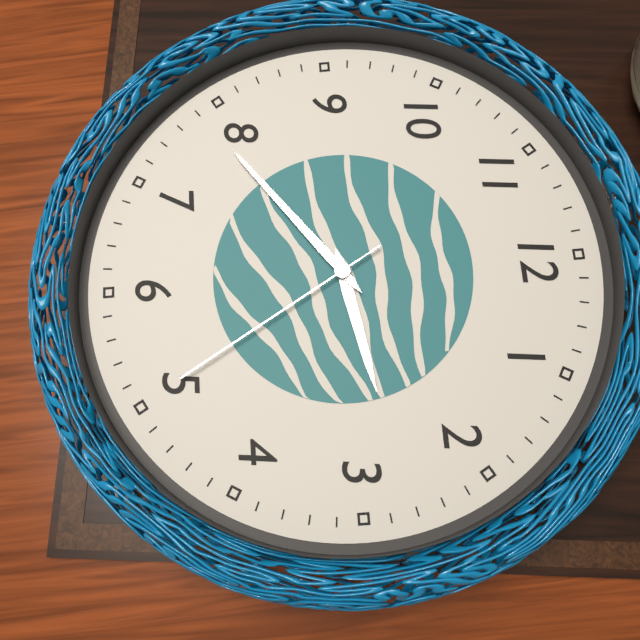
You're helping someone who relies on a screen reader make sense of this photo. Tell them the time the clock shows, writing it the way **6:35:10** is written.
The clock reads **2:39:25**
